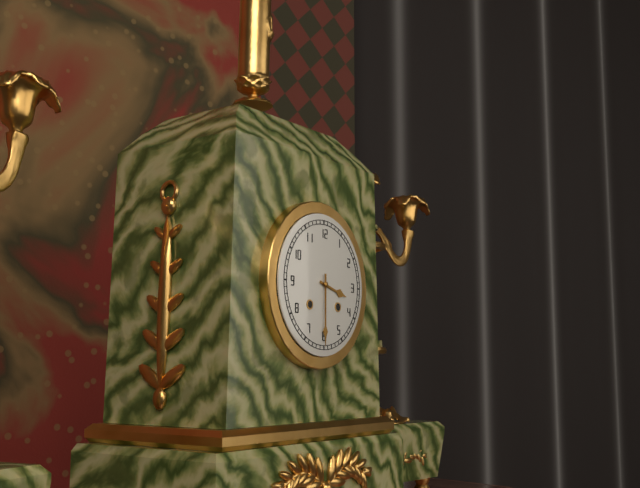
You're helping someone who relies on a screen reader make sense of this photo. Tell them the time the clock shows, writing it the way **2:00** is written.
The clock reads **3:30**
